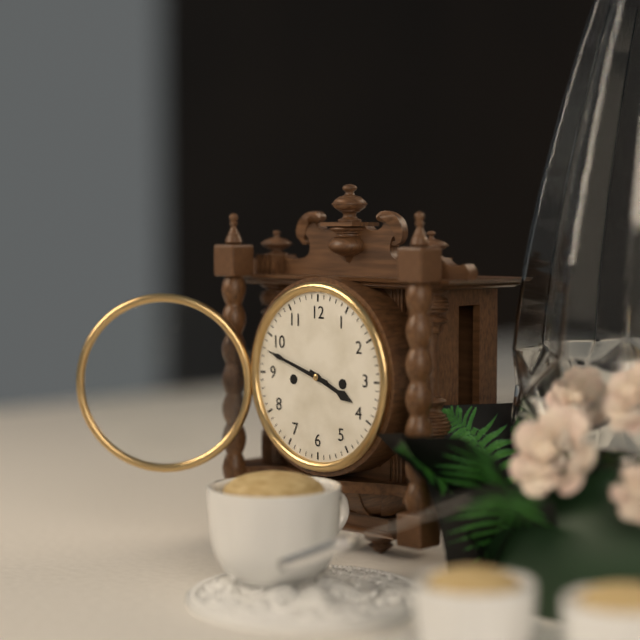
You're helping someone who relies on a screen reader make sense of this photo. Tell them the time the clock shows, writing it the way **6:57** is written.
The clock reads **3:48**
